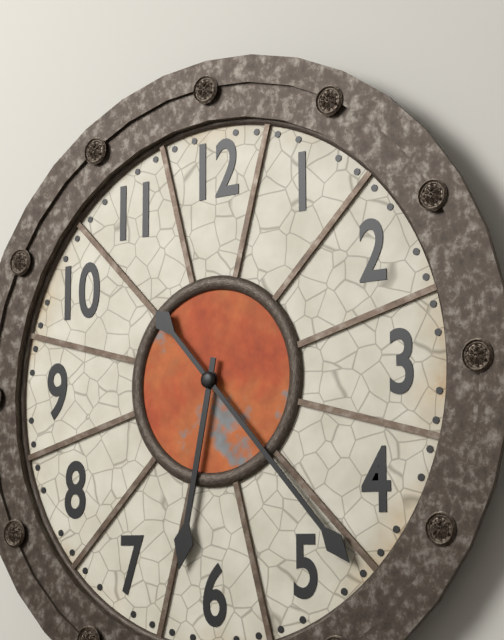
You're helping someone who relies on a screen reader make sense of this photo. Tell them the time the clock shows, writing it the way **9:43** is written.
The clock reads **6:23**
